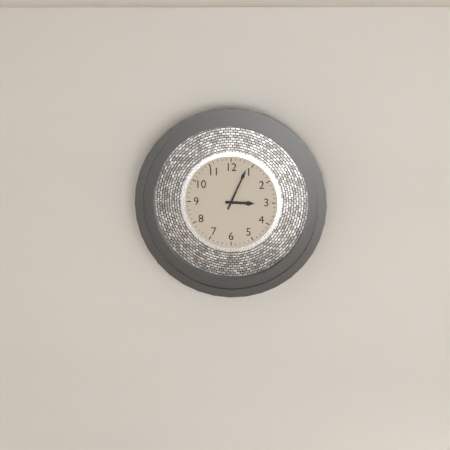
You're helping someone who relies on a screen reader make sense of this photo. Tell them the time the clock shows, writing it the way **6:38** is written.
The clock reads **3:04**
